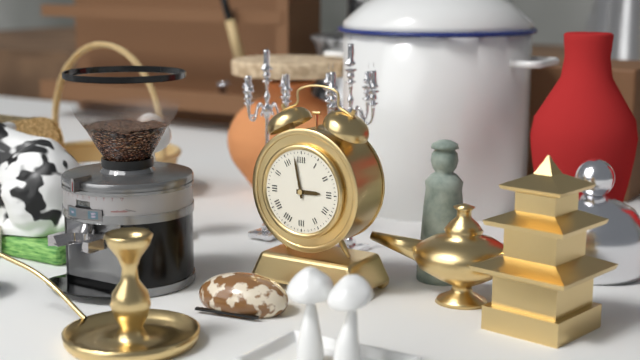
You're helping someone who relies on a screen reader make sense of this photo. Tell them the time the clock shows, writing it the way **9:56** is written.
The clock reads **2:58**
